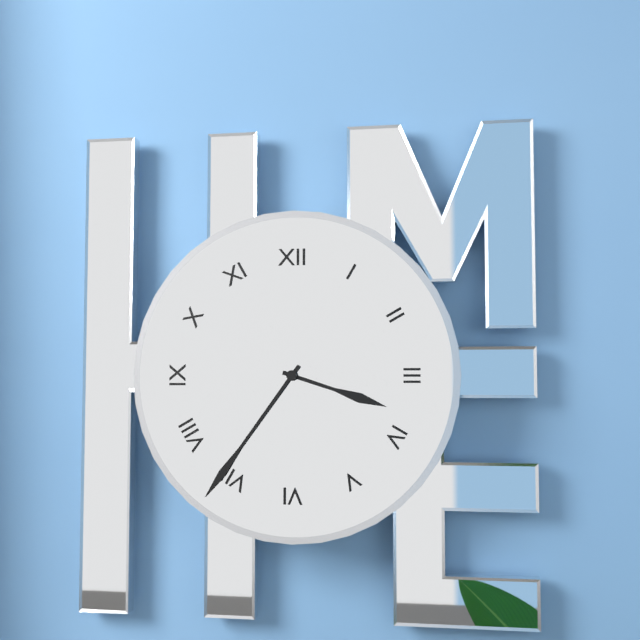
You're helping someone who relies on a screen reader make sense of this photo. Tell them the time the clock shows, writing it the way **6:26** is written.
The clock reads **3:36**
